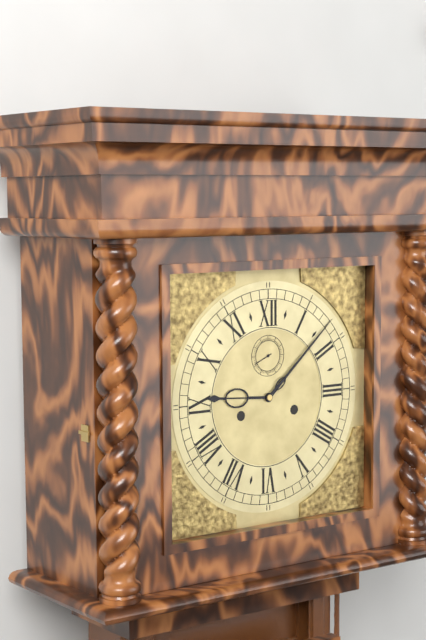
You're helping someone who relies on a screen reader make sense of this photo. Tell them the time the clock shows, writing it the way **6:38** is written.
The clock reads **9:08**
